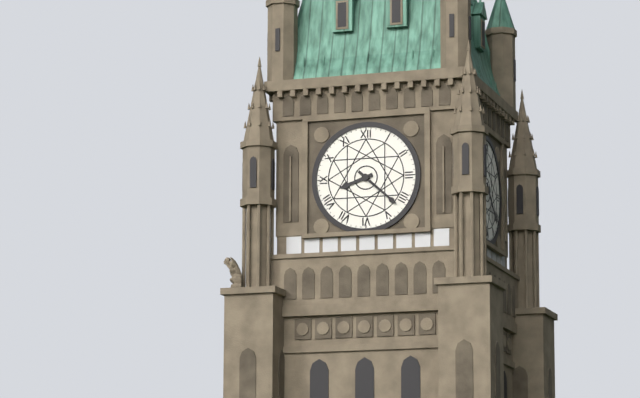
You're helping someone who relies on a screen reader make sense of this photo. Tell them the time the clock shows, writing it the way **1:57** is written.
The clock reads **8:22**
